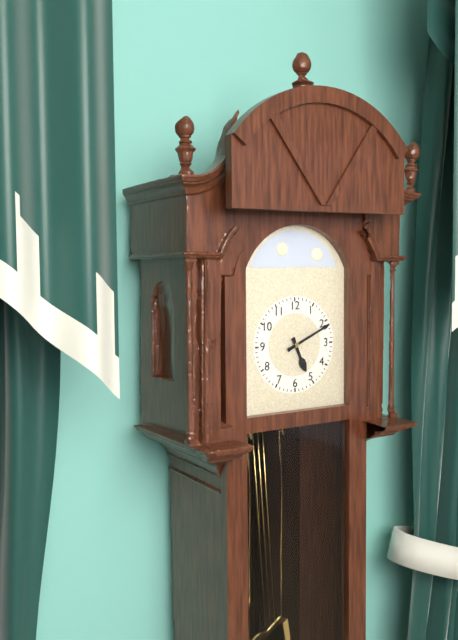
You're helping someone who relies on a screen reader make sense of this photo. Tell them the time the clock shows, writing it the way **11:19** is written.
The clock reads **5:11**
